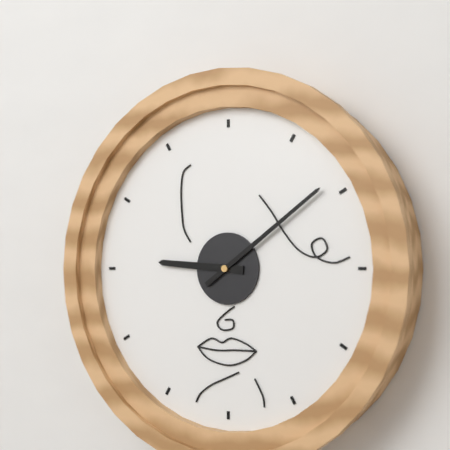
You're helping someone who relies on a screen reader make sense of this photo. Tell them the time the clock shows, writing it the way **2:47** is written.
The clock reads **9:09**
